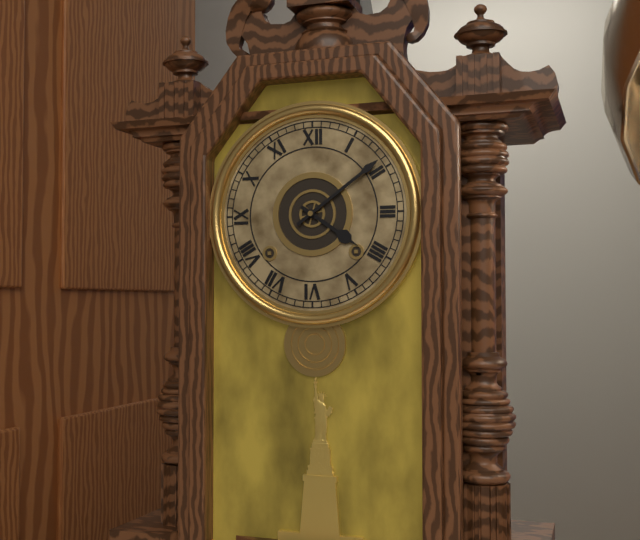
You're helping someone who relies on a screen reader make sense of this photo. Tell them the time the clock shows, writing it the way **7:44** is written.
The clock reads **4:09**
